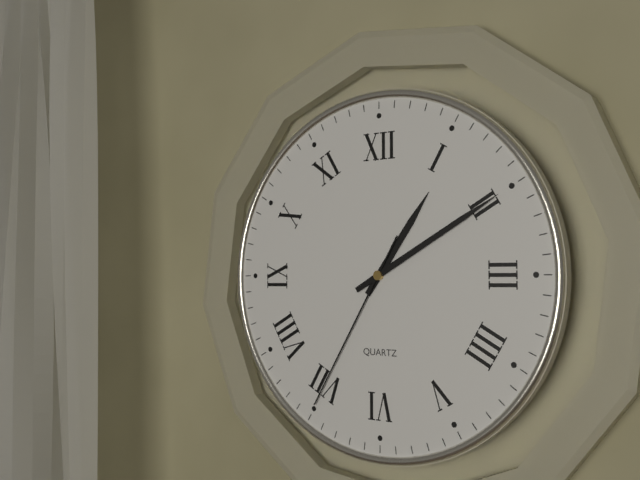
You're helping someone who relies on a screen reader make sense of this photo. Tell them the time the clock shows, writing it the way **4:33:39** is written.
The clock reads **1:10:35**
